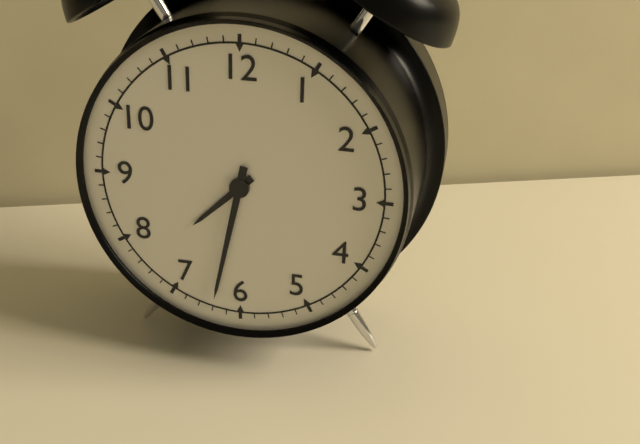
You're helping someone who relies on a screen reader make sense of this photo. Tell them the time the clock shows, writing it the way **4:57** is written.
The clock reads **7:32**
